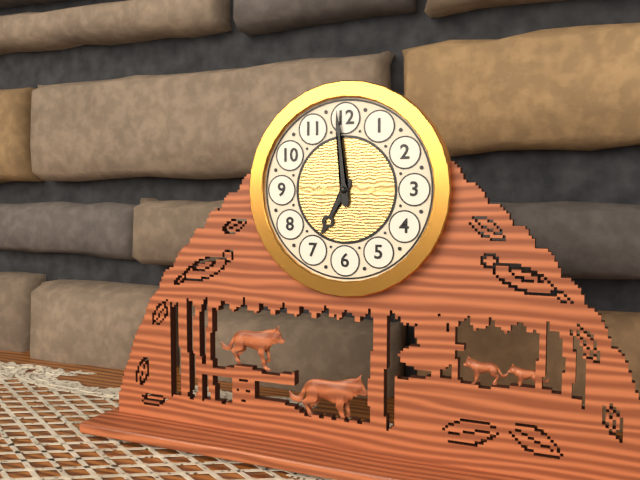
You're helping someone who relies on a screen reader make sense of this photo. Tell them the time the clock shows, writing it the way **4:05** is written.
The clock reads **6:59**
